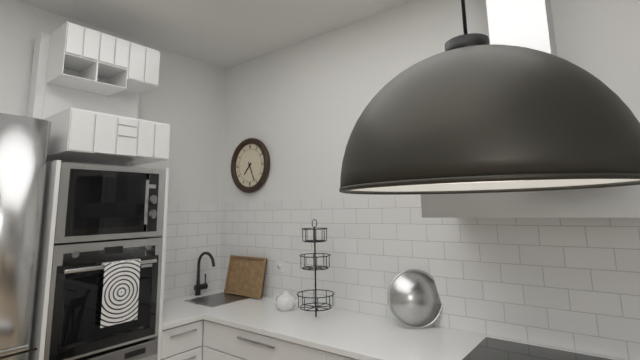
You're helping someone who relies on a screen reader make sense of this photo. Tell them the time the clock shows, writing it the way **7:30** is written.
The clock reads **7:26**
